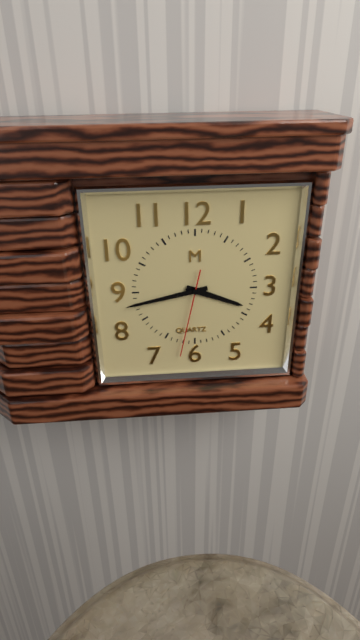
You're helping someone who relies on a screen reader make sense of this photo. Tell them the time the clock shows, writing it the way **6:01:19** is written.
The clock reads **3:43:32**
